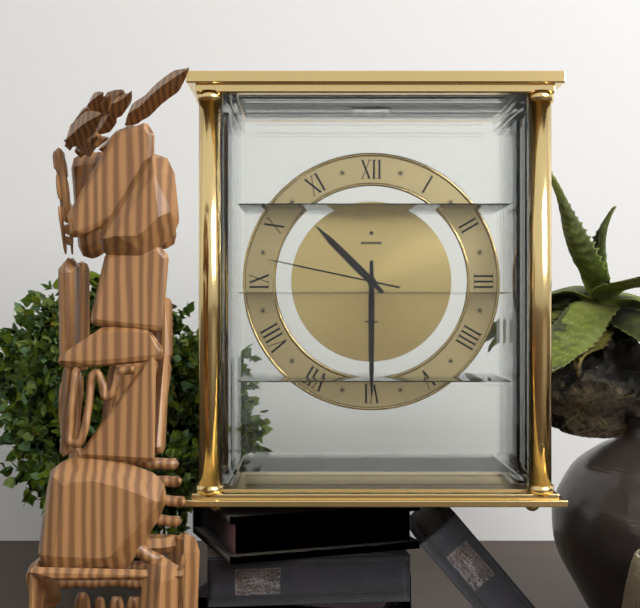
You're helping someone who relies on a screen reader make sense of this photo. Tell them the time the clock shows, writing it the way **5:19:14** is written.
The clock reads **10:30:47**
